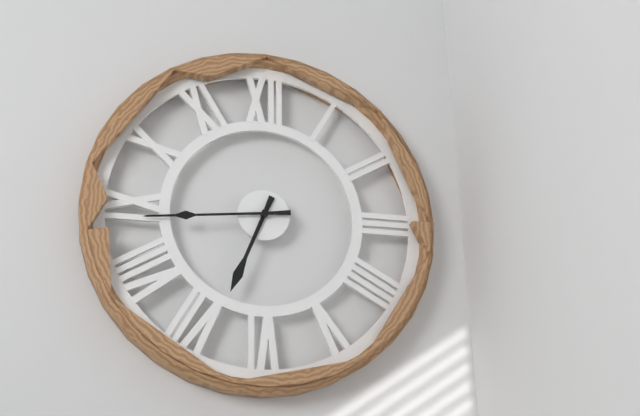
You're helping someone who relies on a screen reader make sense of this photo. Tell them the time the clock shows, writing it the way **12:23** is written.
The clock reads **6:44**
